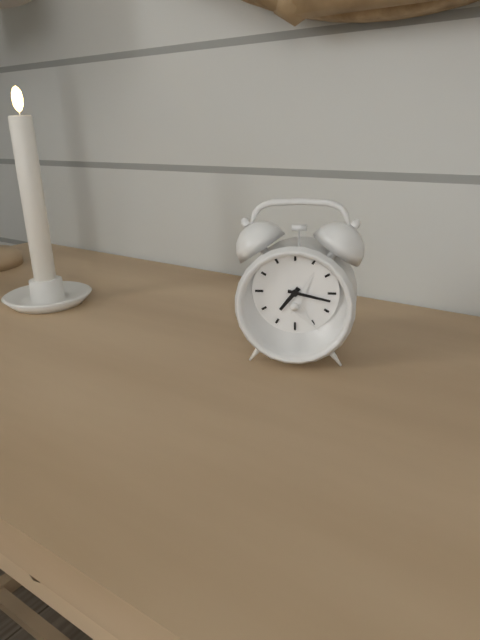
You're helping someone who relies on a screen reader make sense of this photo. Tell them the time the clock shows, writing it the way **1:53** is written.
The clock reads **7:17**
